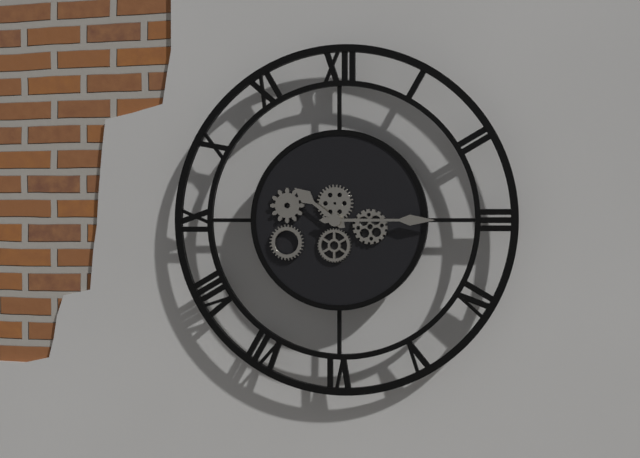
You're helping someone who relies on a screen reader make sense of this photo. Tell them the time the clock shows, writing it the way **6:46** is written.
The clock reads **10:15**
